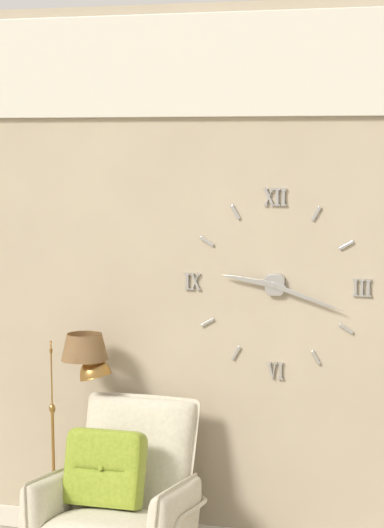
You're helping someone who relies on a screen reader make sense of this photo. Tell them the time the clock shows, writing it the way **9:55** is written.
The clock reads **9:18**
